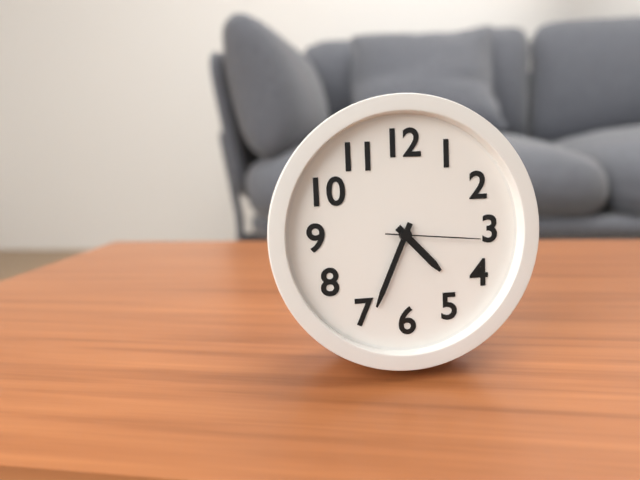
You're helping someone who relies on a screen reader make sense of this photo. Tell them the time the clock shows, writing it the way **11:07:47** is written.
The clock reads **4:34:16**
